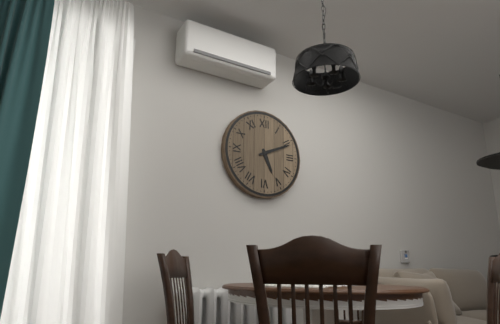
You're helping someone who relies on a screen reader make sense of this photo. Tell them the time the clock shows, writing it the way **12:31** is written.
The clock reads **5:11**
